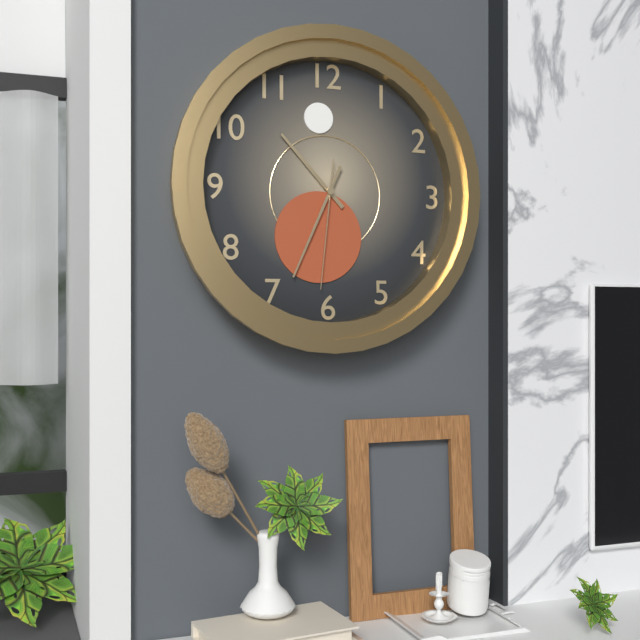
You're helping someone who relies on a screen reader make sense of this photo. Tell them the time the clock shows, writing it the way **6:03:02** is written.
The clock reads **10:34:31**
